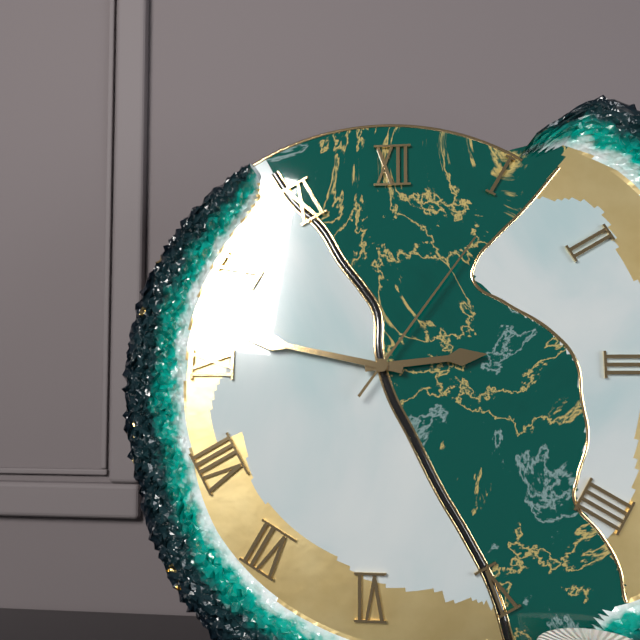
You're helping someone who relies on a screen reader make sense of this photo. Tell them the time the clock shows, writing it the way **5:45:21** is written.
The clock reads **2:47:06**
